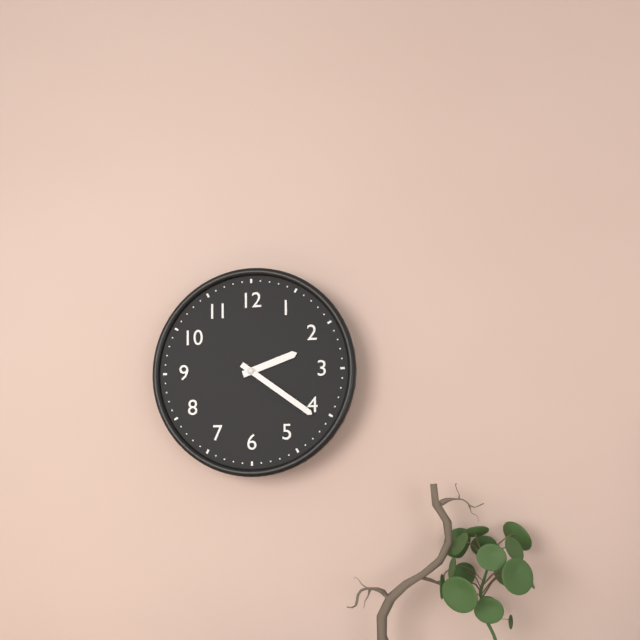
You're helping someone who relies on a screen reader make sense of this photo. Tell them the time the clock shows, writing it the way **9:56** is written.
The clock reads **2:21**
